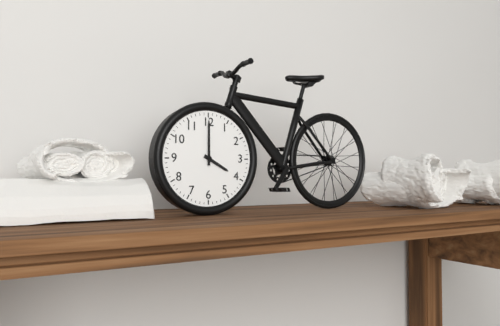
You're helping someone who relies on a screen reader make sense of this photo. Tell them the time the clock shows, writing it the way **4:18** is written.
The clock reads **4:00**
